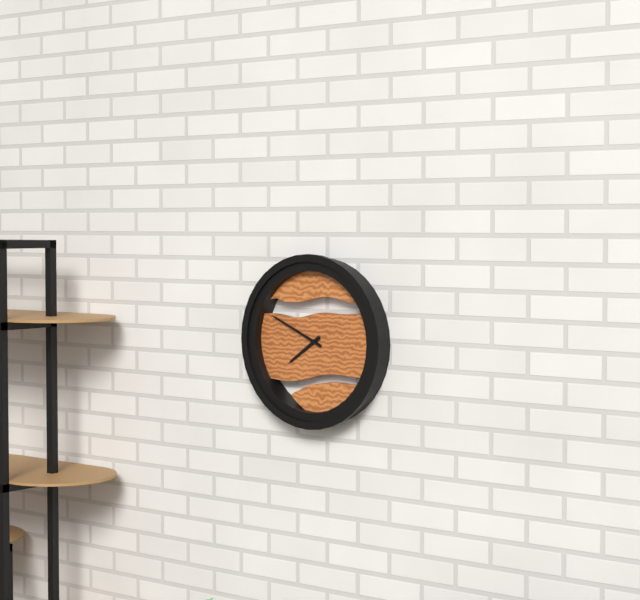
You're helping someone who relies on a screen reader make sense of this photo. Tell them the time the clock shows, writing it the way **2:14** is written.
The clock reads **7:49**
